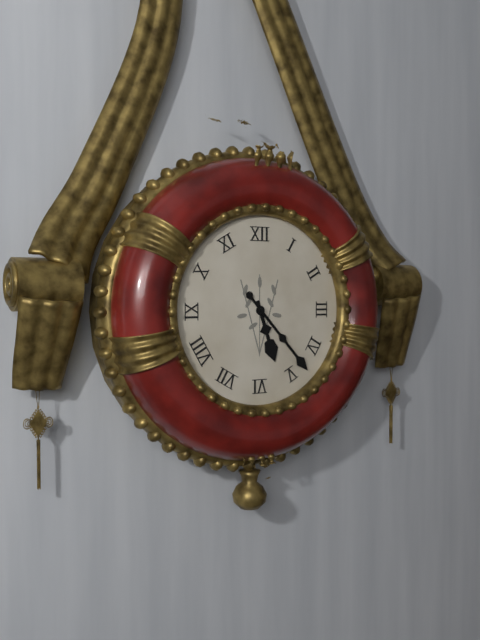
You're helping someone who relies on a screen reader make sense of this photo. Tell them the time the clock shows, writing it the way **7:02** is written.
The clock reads **5:23**
